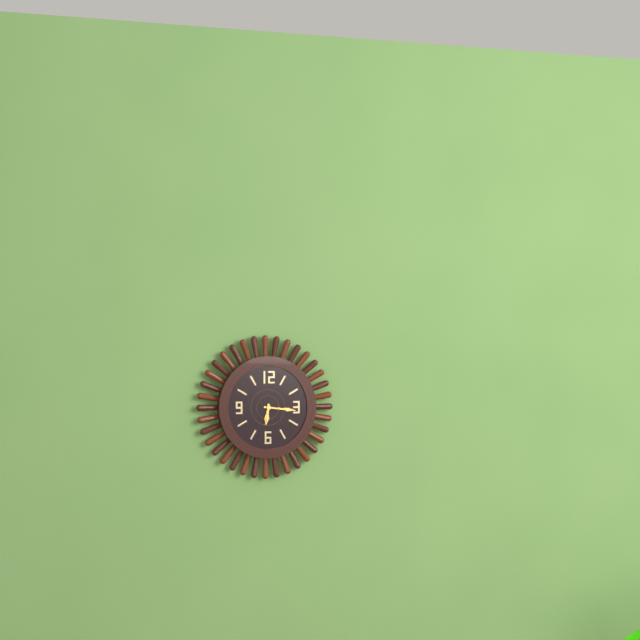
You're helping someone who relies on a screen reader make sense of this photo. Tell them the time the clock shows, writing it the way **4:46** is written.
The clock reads **6:16**
